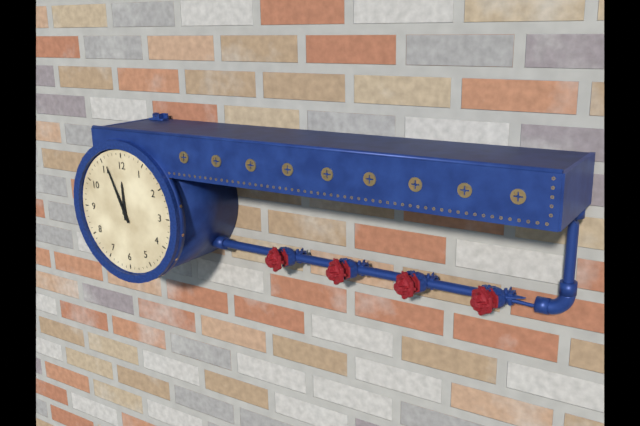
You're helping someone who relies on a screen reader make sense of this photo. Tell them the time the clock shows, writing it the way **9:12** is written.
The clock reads **11:56**
